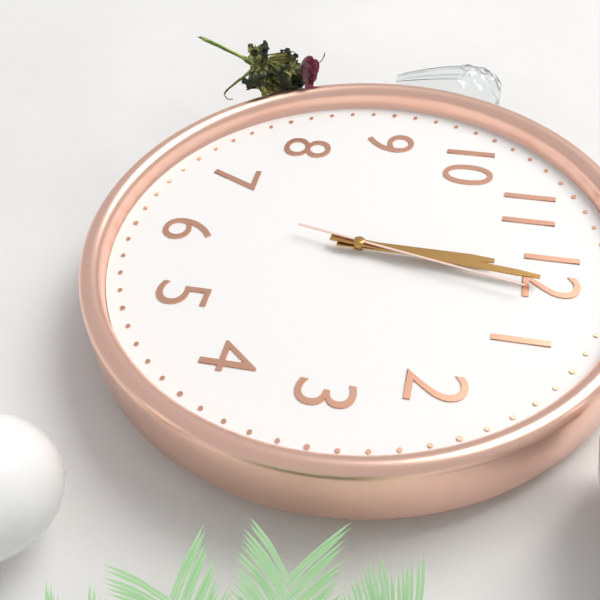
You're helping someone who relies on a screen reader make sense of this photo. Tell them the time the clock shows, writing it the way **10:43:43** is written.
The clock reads **12:01:02**
